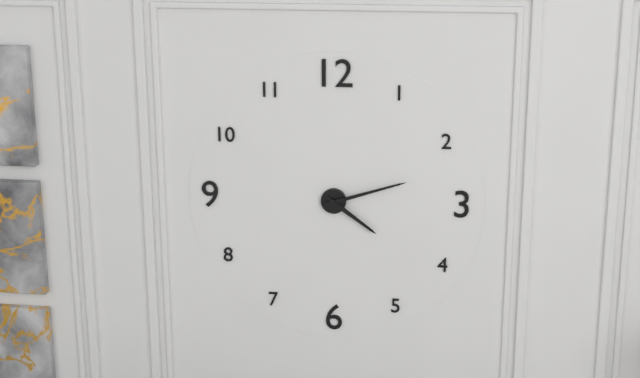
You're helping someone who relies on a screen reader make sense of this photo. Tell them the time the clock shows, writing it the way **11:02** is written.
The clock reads **4:12**
